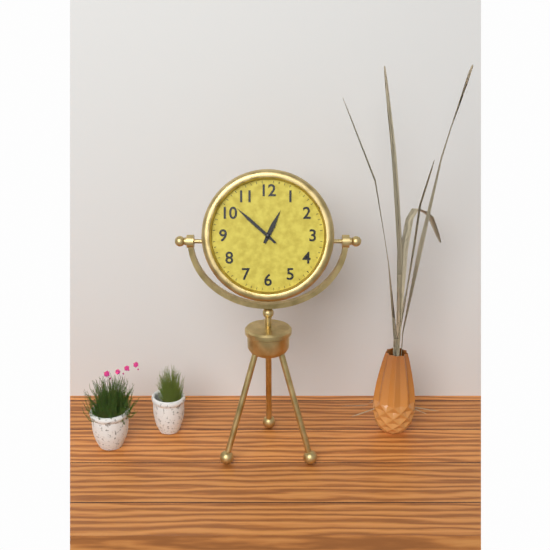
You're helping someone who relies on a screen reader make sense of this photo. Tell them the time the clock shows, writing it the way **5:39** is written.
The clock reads **12:52**
